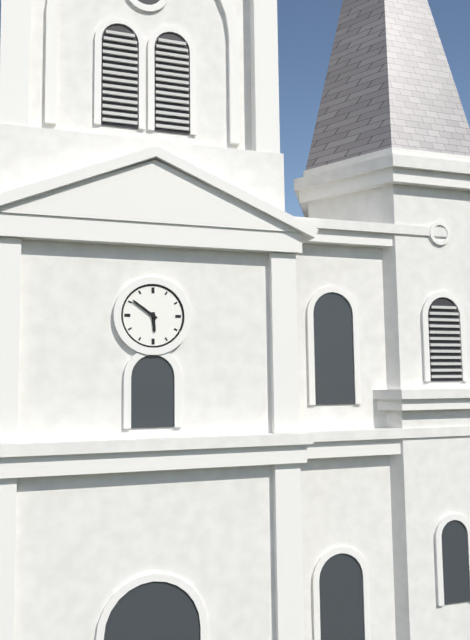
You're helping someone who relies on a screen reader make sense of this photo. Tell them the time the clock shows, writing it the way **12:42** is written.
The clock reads **5:51**
